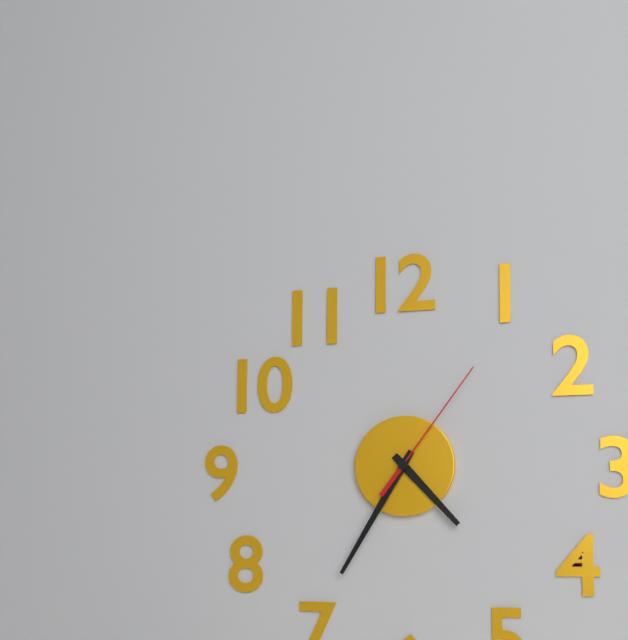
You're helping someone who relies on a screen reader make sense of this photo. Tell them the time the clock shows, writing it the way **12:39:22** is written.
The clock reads **4:35:06**
